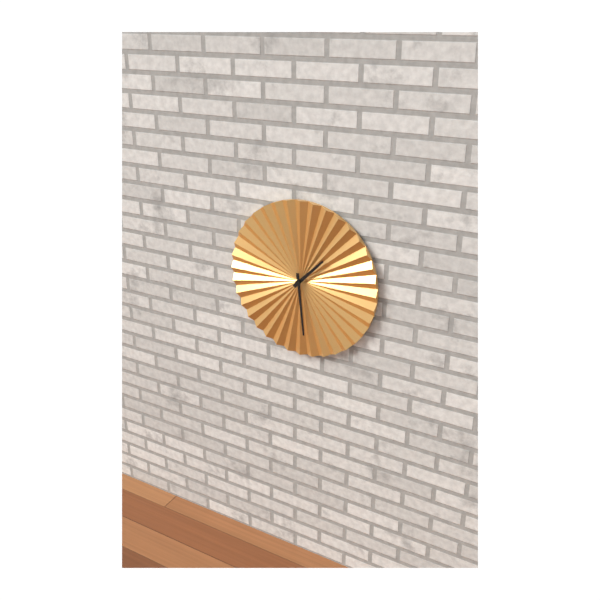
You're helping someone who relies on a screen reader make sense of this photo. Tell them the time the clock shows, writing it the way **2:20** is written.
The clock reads **1:29**
